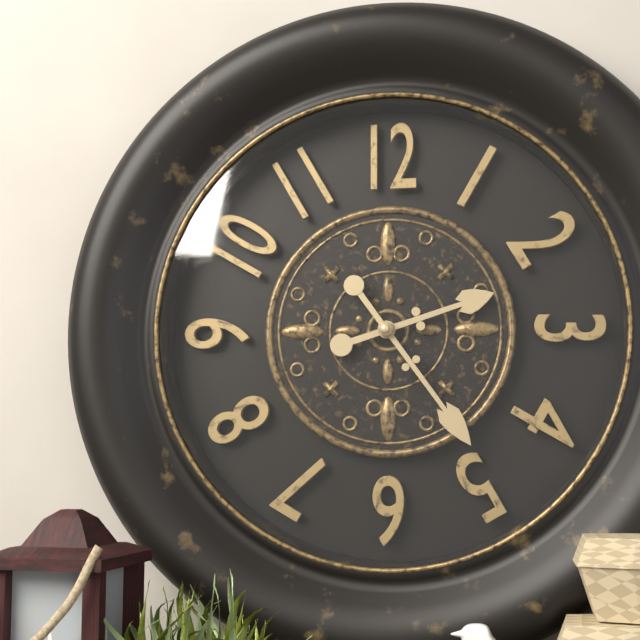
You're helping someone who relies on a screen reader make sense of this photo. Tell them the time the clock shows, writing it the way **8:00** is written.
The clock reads **2:24**
